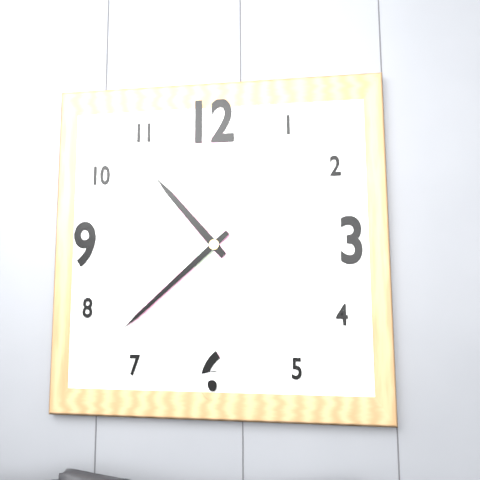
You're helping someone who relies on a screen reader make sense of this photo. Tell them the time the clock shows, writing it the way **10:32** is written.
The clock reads **10:38**
